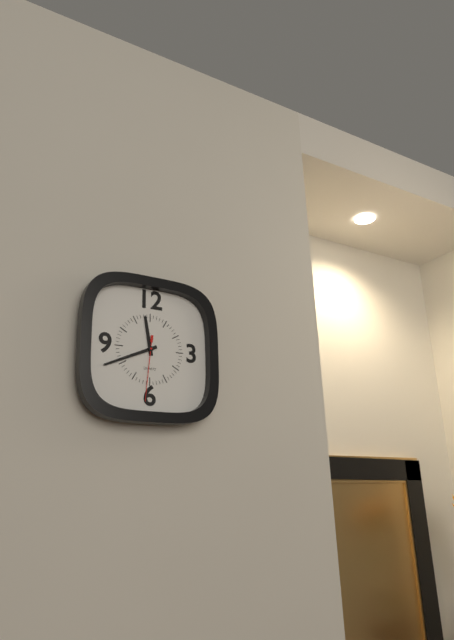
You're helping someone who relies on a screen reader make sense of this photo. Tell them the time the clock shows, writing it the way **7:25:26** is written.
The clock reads **11:41:31**
